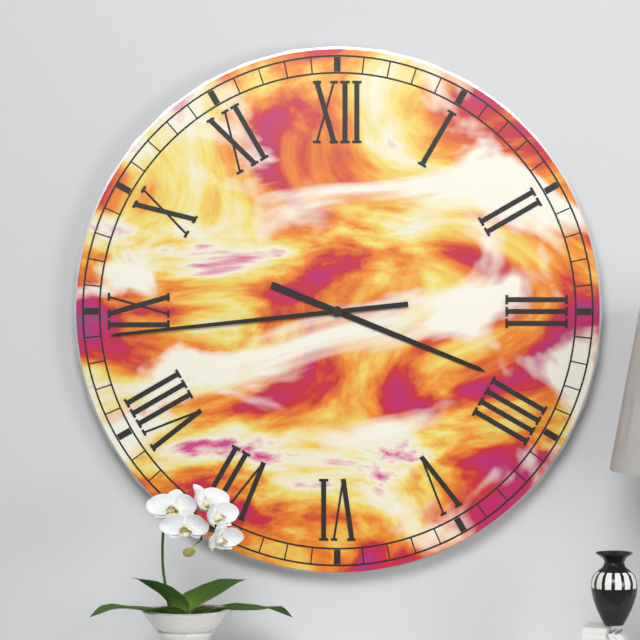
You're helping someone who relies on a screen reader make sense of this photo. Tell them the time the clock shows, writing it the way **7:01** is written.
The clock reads **3:44**
